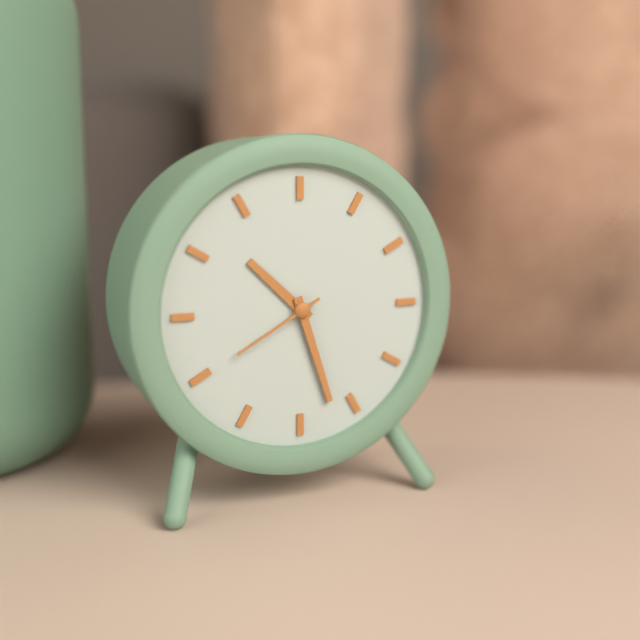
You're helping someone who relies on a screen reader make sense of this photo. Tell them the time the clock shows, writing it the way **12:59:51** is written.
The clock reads **10:27:40**
